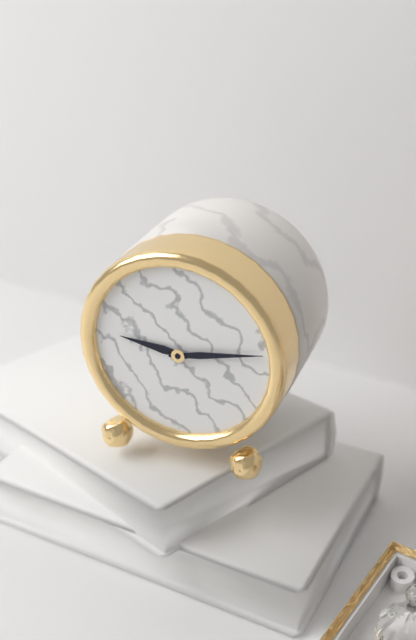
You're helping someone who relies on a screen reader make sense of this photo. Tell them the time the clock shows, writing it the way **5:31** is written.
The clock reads **9:13**
